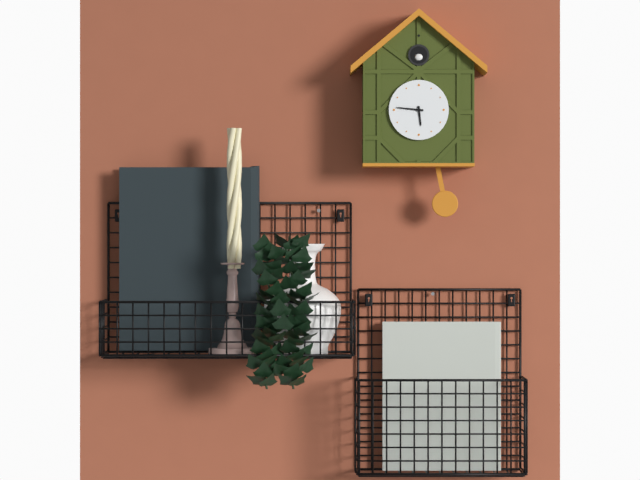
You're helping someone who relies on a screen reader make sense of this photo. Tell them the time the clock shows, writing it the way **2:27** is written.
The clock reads **5:46**
